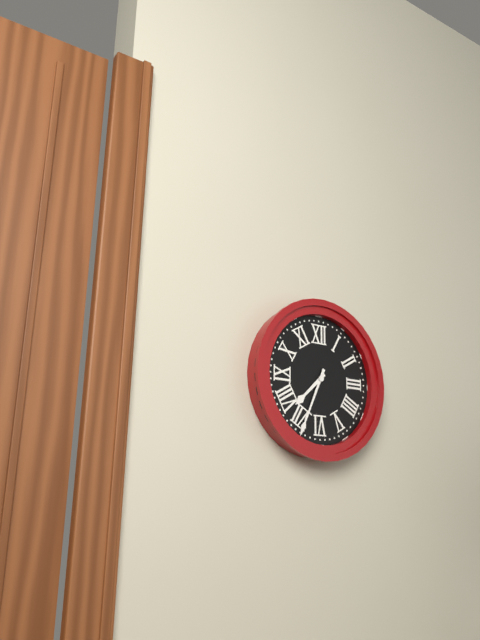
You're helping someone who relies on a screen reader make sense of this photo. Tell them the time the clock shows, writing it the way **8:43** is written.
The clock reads **7:34**
